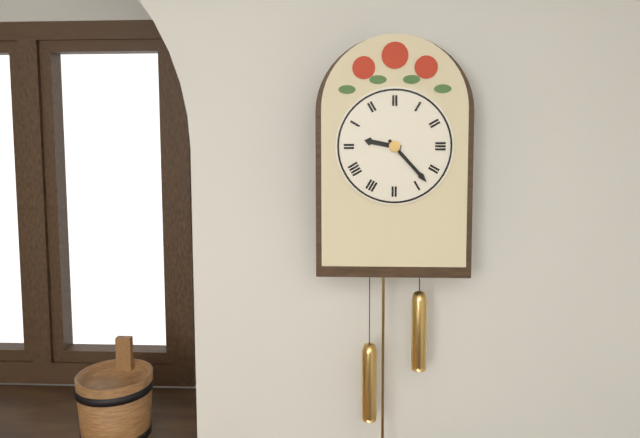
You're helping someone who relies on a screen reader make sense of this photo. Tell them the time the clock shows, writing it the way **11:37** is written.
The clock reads **9:23**
